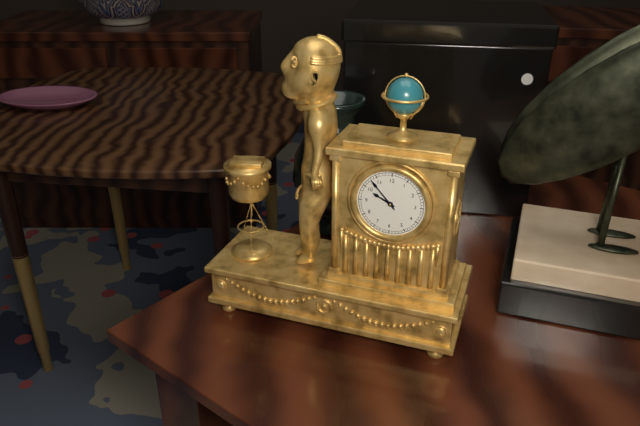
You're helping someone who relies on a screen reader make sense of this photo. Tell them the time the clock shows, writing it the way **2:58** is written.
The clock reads **9:53**
